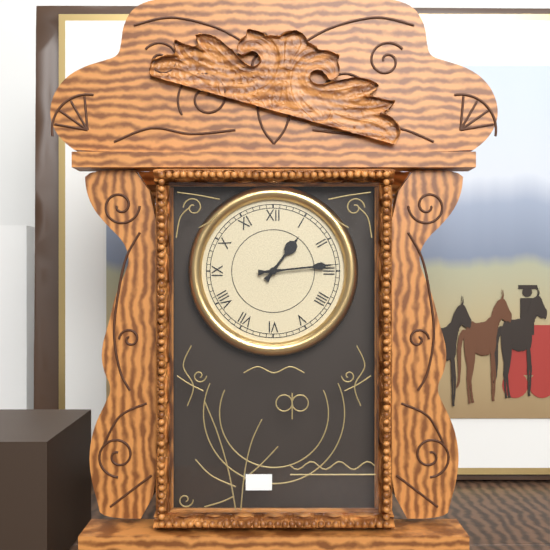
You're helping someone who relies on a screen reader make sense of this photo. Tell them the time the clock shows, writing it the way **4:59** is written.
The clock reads **1:14**
